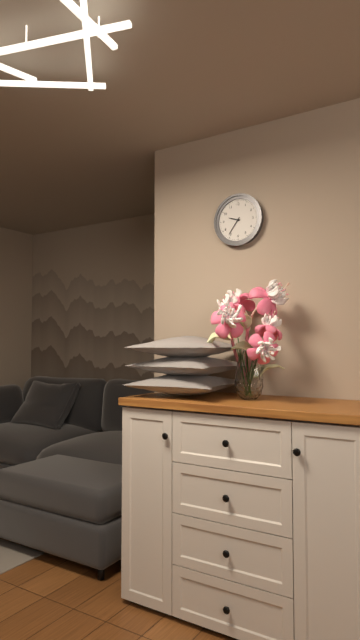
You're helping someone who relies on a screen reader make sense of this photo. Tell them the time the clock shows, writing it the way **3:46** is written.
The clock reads **9:36**
